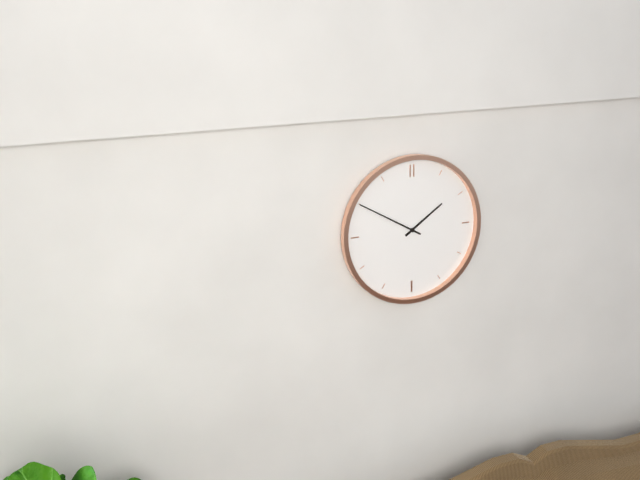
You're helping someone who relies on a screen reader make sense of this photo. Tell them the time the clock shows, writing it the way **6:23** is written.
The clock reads **1:50**
